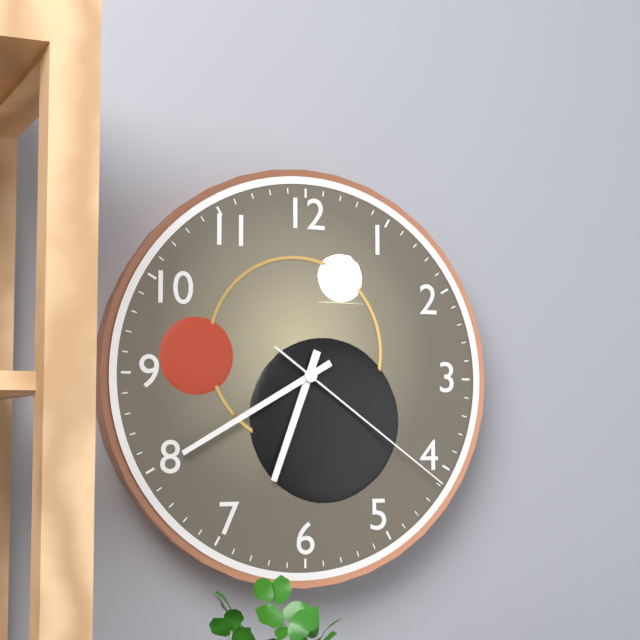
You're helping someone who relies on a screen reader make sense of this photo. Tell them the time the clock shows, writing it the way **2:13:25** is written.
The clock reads **6:40:21**
